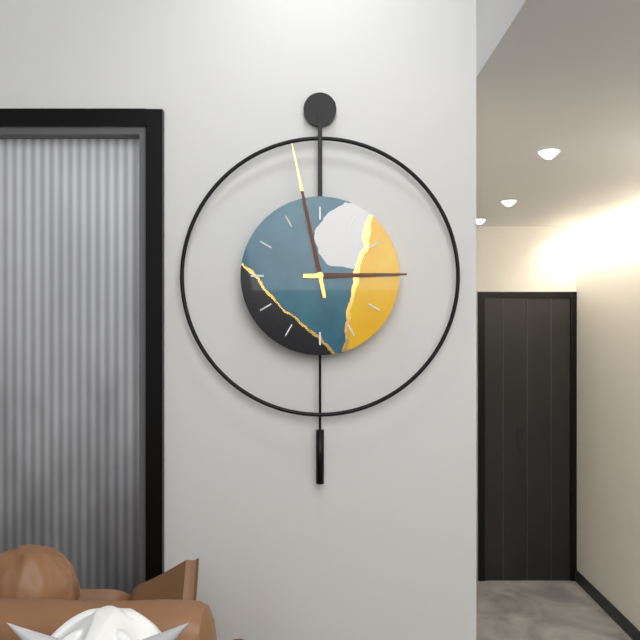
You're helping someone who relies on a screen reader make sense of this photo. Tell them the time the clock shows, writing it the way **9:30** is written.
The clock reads **2:58**
